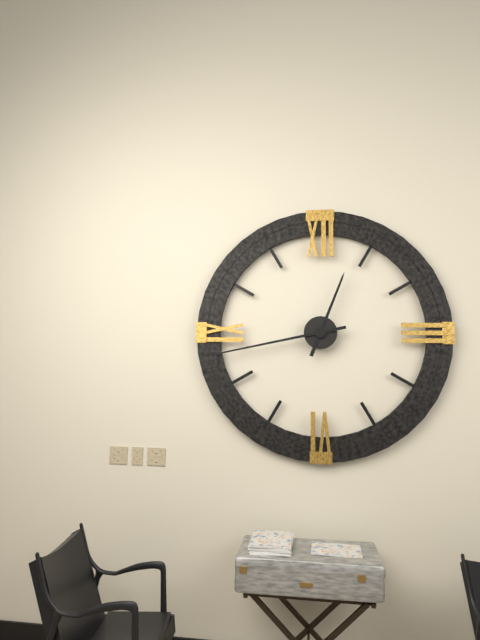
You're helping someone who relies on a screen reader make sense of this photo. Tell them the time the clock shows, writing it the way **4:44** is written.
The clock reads **12:43**
